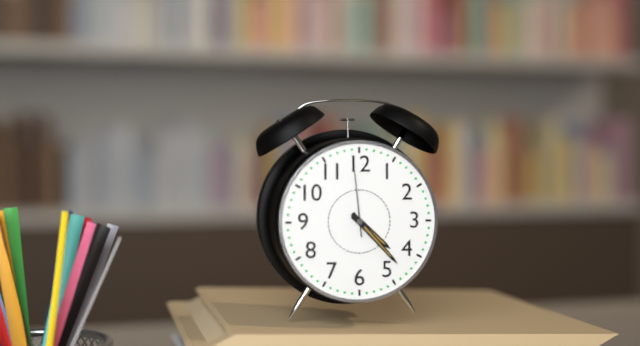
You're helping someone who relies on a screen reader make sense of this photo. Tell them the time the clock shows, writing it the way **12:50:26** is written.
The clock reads **4:23:59**
